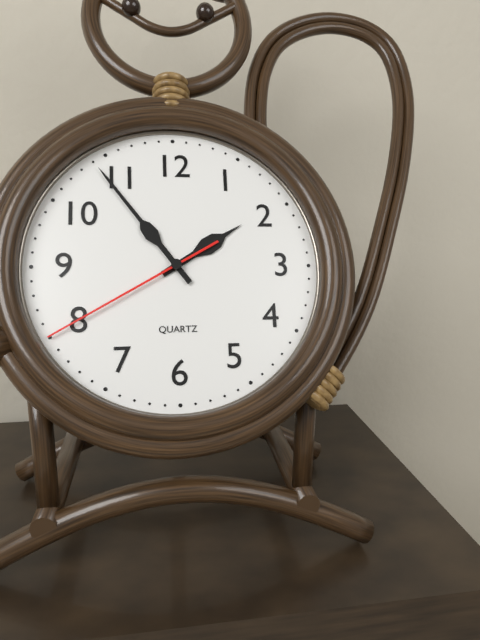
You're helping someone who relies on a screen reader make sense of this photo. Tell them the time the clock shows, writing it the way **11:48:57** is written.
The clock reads **1:54:40**
